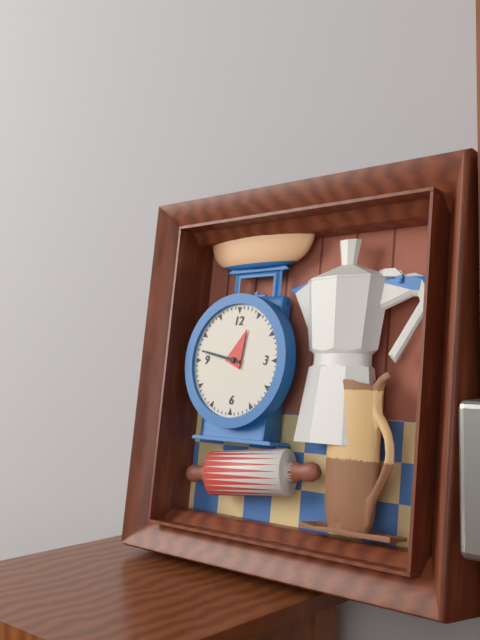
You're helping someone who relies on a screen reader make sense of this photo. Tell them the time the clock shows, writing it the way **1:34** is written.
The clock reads **12:47**
